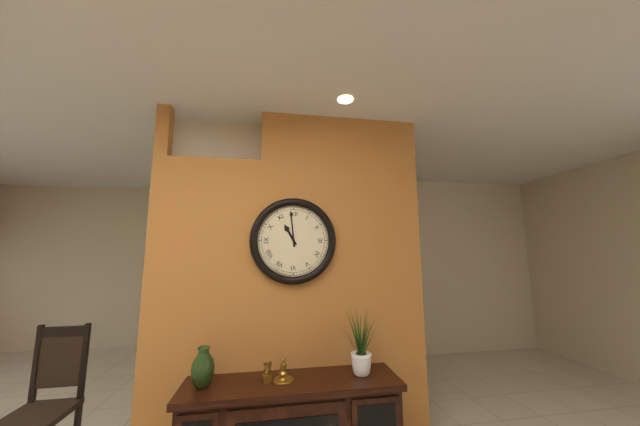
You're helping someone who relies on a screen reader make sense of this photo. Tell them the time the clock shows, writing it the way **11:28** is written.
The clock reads **10:59**
